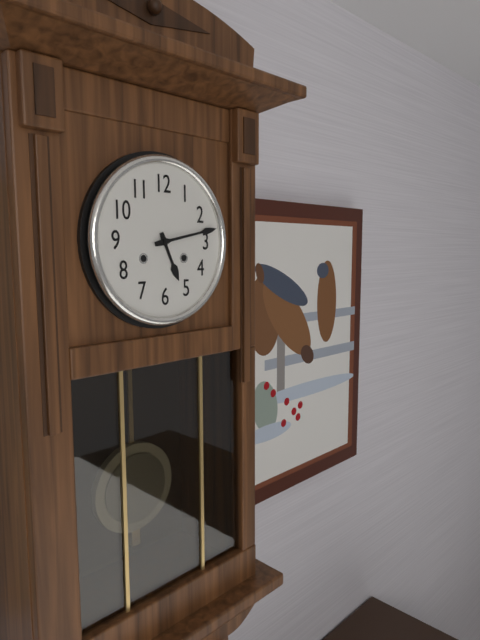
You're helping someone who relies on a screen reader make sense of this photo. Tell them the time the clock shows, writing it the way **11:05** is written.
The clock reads **5:13**
